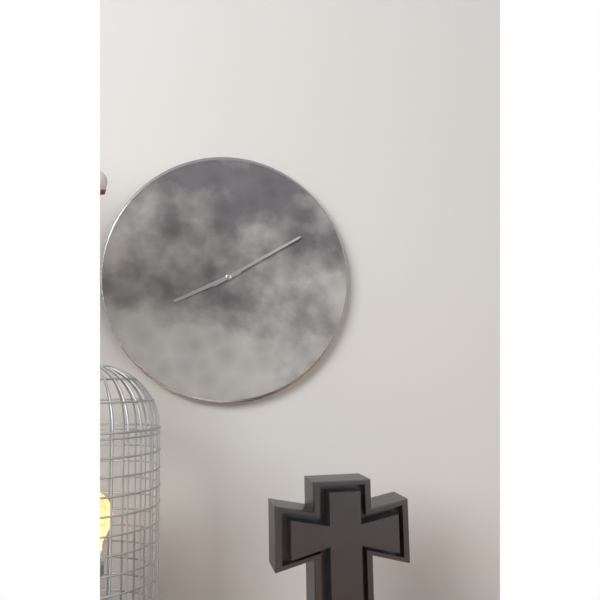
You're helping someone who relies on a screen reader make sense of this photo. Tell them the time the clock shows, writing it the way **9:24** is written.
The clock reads **8:10**
